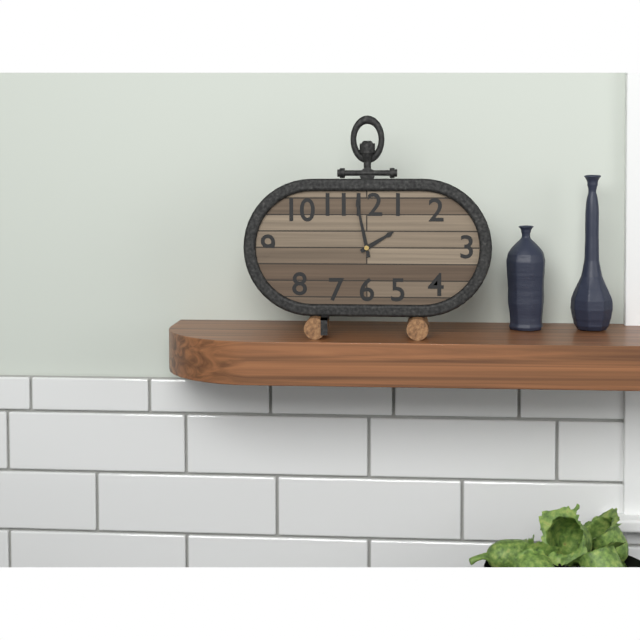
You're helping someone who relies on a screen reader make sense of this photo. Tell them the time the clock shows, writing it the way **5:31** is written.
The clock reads **1:58**
